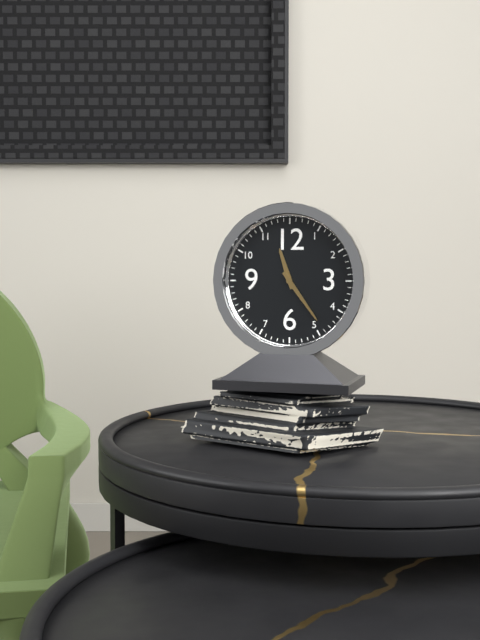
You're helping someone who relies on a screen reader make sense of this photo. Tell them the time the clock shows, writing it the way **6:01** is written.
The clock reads **11:24**
